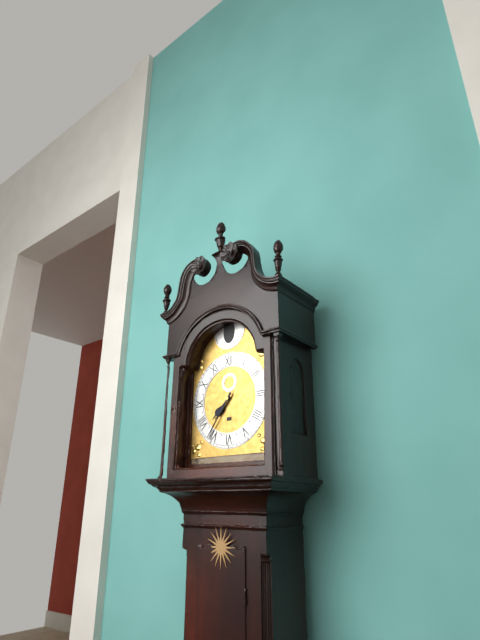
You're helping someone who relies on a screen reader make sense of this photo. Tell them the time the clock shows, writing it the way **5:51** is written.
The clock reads **7:36**
